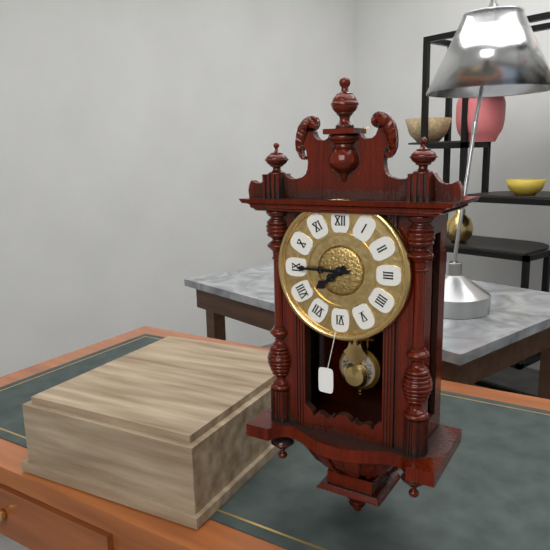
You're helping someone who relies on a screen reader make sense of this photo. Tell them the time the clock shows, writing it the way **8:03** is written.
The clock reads **7:45**
